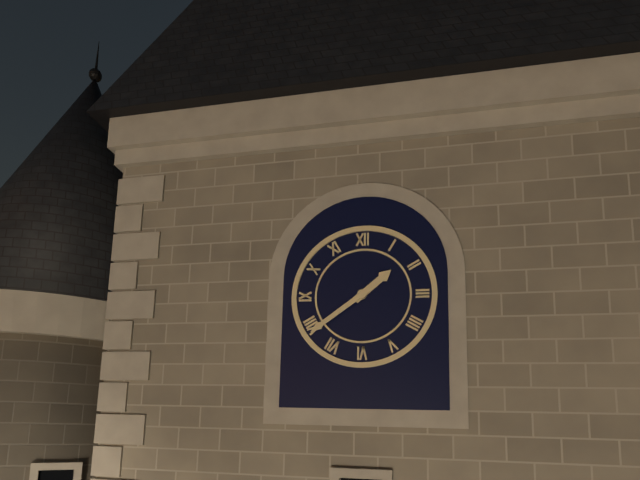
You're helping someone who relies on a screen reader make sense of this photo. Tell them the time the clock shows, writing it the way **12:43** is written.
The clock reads **1:39**
